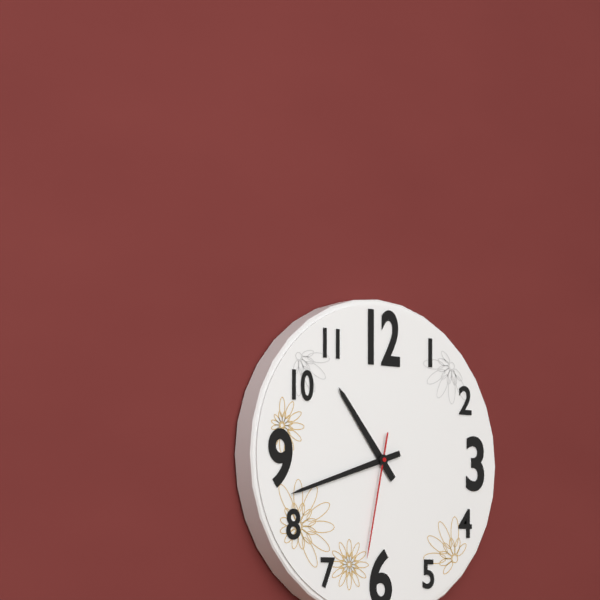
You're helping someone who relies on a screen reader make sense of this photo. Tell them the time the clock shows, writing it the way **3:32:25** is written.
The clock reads **10:42:32**
